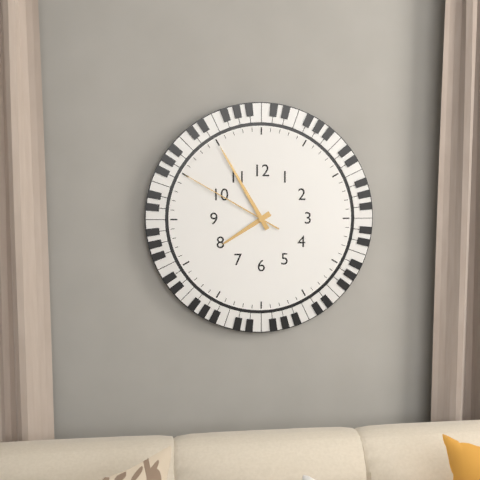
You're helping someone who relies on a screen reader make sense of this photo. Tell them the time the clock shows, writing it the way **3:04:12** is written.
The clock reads **7:55:50**
